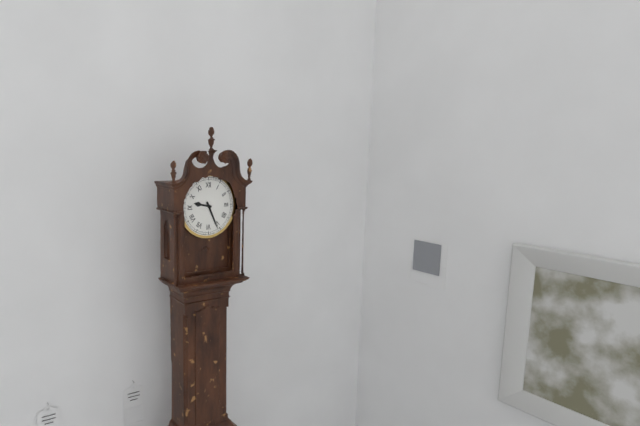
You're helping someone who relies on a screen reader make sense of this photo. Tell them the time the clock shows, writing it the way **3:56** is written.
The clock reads **9:26**
